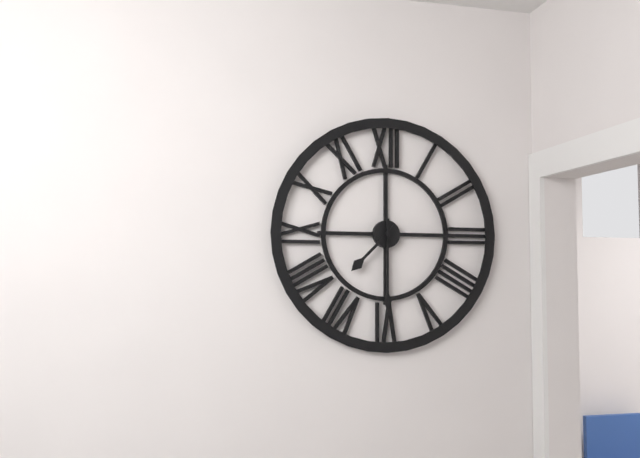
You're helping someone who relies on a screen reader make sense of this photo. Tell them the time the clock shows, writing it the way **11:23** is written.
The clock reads **7:30**
